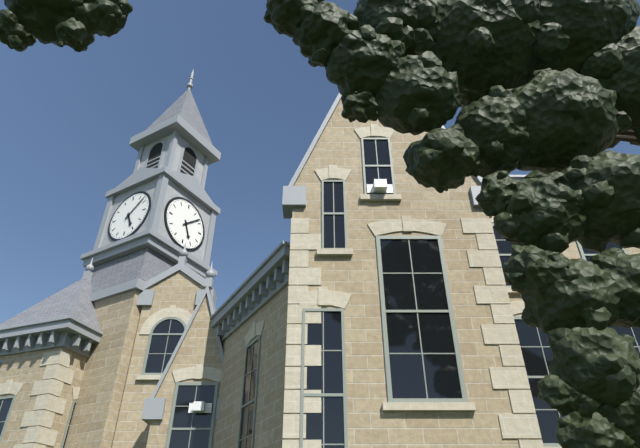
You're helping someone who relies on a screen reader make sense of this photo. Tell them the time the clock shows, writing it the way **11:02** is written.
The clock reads **5:08**
